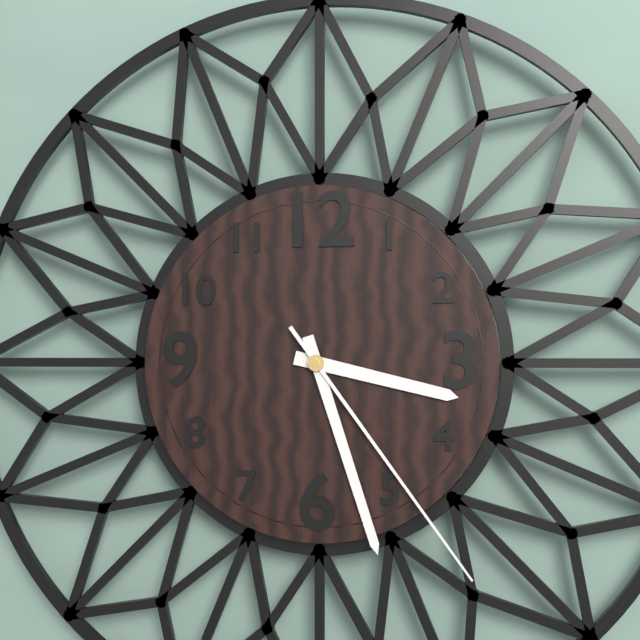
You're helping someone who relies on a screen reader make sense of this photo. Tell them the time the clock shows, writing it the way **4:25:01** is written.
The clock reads **3:27:24**
